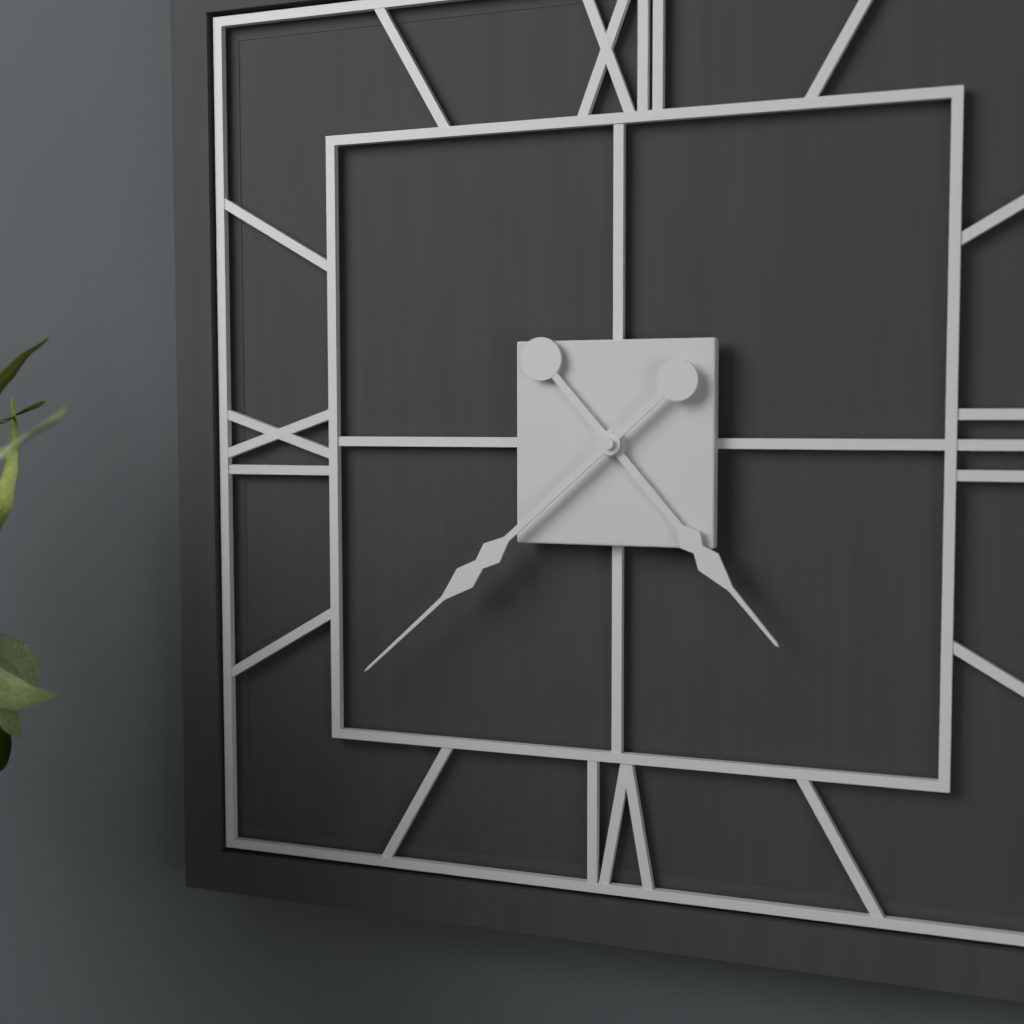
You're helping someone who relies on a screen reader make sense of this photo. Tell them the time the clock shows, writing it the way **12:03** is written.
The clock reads **4:38**
